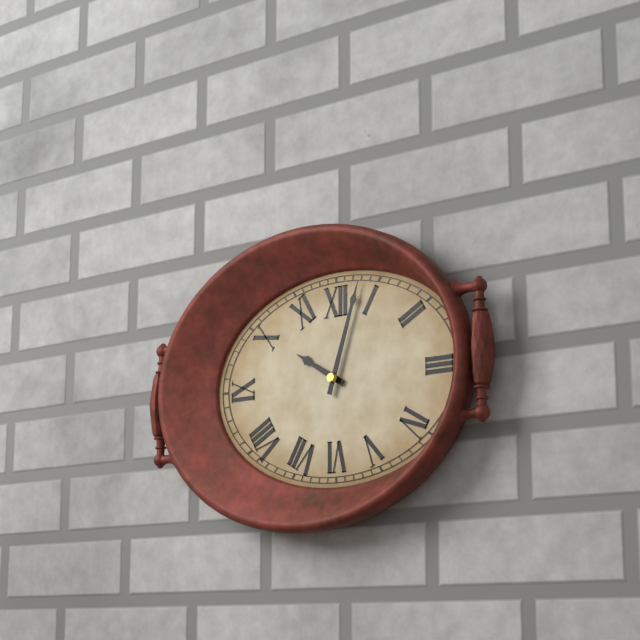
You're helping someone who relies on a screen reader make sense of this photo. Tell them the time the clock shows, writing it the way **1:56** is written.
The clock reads **10:03**
